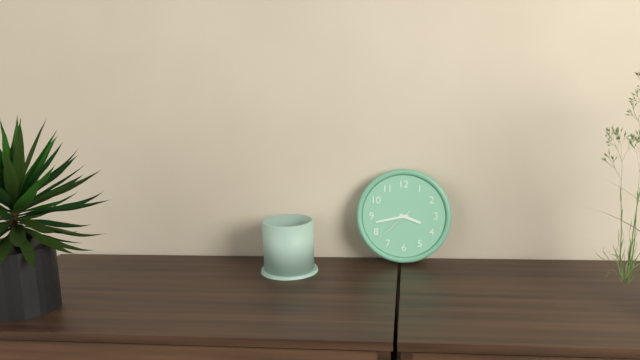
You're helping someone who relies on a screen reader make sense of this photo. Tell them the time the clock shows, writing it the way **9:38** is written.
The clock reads **3:43**
